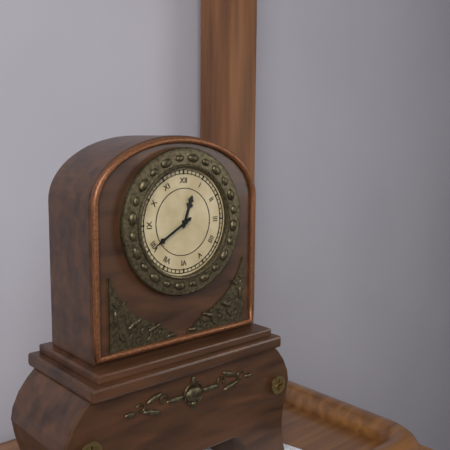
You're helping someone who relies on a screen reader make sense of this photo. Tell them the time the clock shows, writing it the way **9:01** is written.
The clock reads **12:40**
